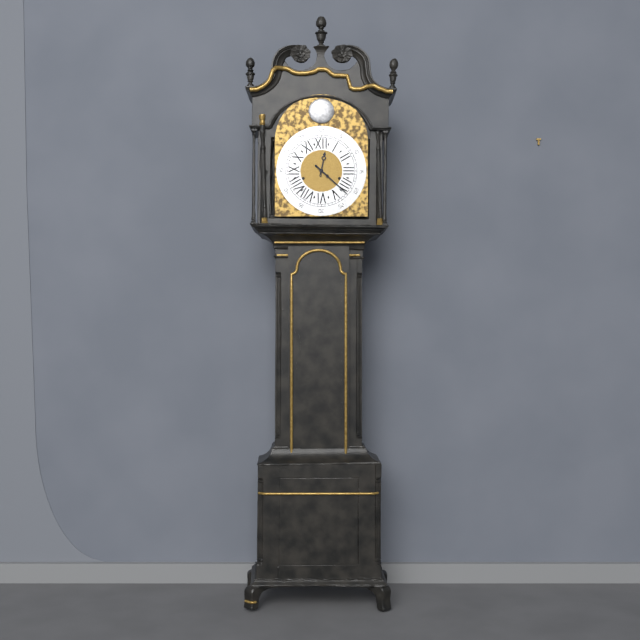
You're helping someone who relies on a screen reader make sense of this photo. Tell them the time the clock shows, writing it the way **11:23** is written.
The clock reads **12:22**
